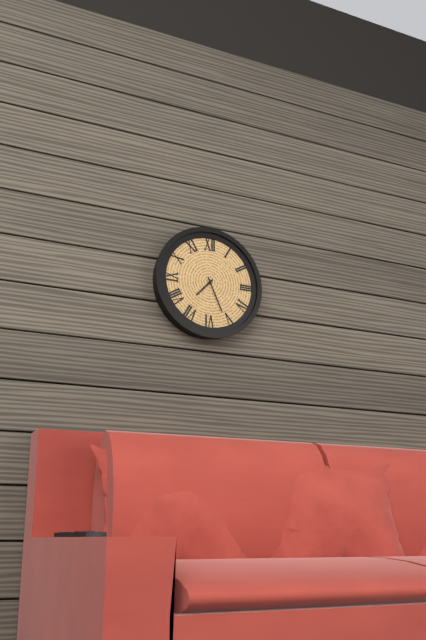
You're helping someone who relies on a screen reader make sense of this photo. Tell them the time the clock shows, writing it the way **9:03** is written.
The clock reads **7:26**
